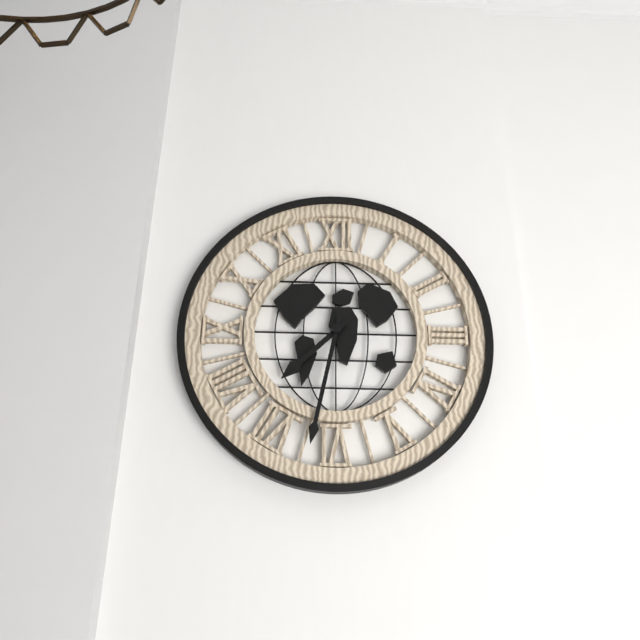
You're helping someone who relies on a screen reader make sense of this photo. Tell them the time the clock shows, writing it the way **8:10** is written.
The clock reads **7:32**
